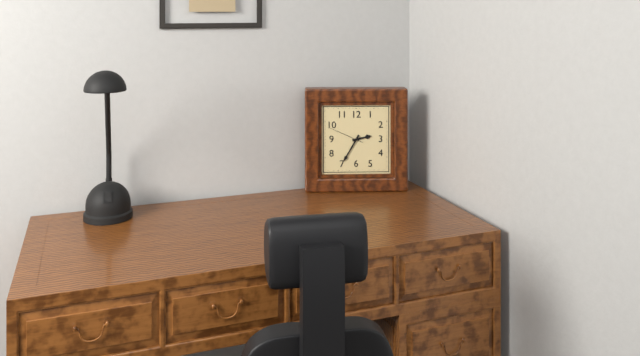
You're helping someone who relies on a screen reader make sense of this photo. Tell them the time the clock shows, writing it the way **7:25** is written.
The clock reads **2:35**
